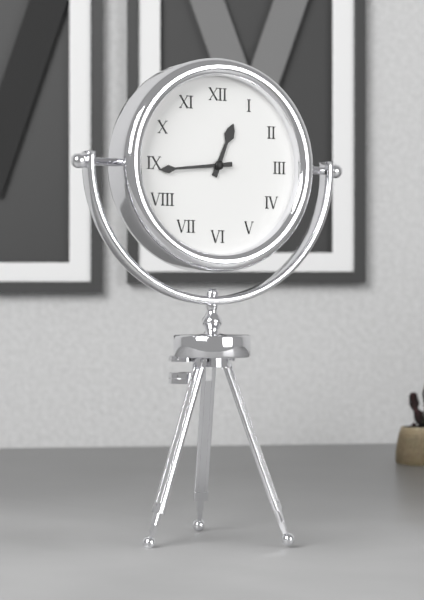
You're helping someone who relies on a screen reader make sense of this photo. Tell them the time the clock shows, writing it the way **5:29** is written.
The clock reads **12:44**
